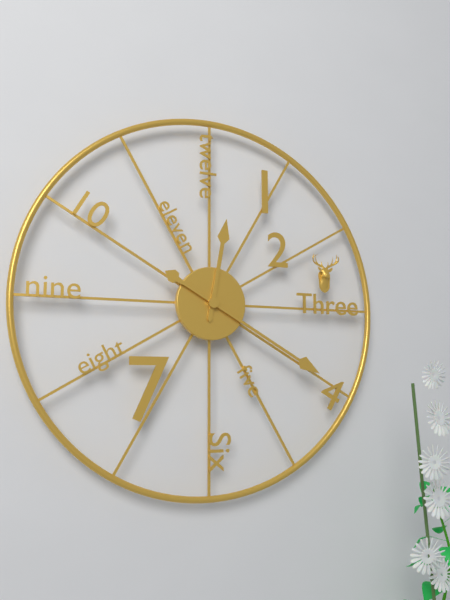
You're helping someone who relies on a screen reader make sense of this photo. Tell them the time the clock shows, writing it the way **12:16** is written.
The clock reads **12:20**
